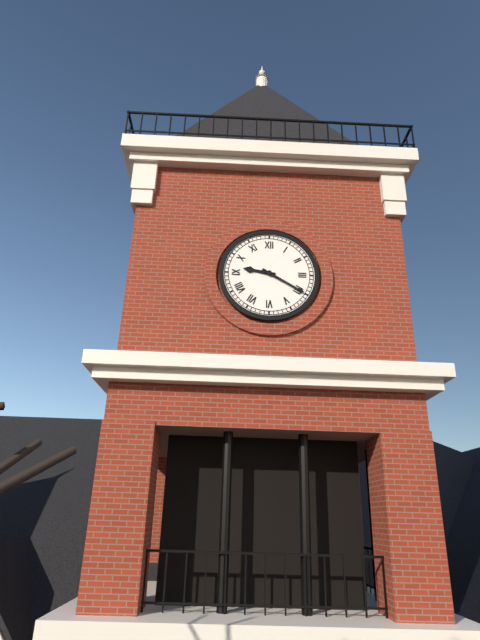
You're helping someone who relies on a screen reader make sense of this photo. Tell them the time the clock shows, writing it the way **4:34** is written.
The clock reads **9:20**
